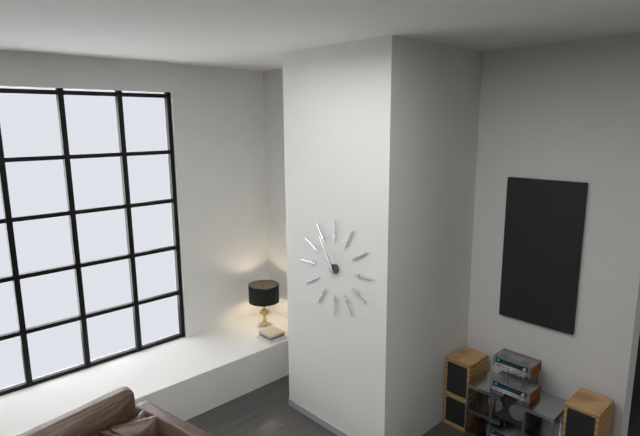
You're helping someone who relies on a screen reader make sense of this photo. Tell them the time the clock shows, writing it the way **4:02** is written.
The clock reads **10:55**
